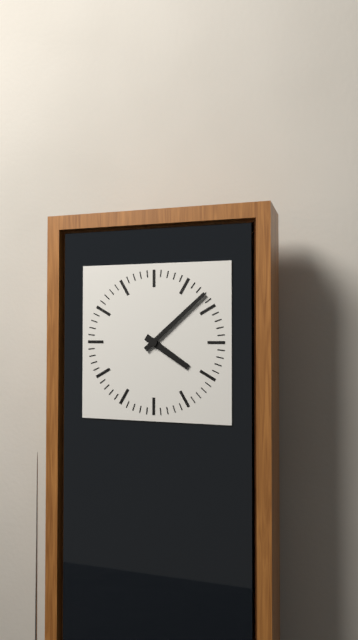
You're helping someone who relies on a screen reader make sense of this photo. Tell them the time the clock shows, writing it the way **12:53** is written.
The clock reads **4:08**
